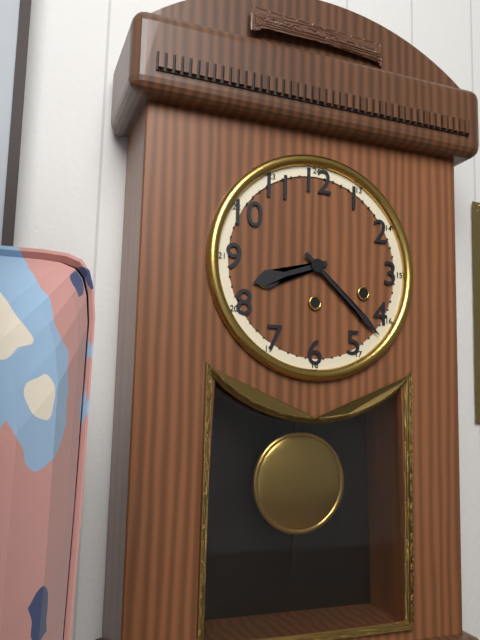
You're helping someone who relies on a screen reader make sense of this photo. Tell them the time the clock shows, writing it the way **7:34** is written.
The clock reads **8:22**
